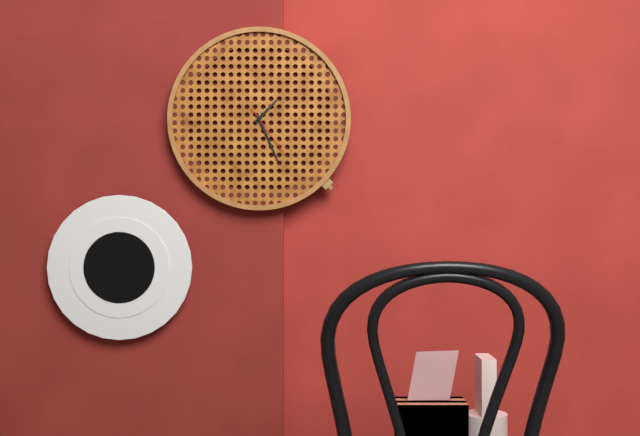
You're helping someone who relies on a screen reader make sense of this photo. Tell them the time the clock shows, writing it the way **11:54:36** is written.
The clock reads **1:26:24**
